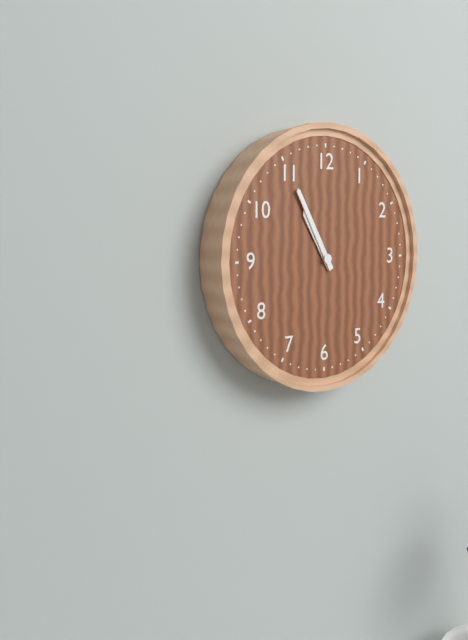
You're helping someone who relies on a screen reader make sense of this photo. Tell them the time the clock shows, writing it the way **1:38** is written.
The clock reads **10:55**
